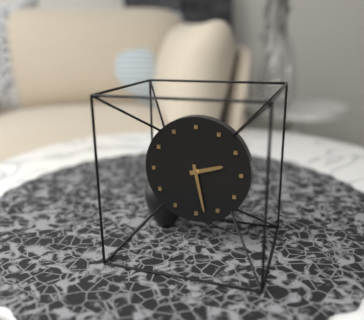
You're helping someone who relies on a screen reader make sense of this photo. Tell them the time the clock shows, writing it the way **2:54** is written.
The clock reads **2:28**
